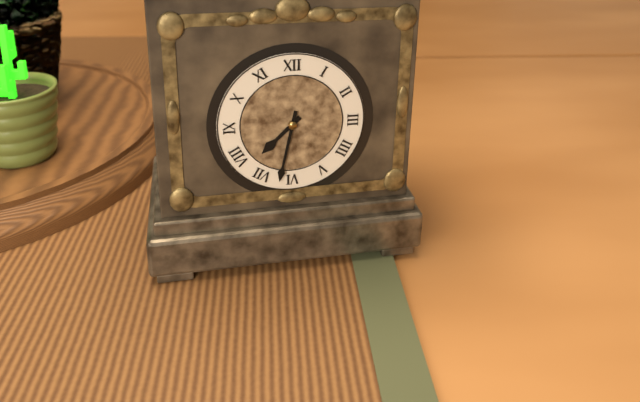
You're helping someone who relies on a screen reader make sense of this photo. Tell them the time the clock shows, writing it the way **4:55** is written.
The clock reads **7:32**
